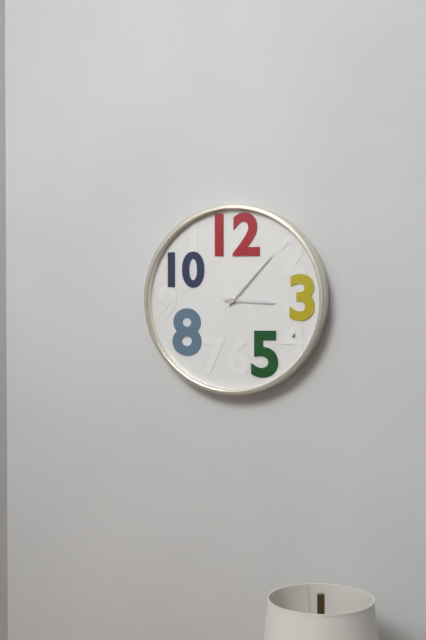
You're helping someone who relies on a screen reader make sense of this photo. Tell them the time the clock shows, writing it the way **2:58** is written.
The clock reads **3:07**
